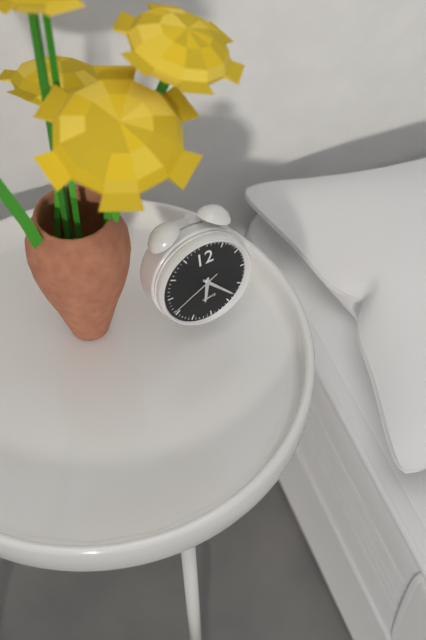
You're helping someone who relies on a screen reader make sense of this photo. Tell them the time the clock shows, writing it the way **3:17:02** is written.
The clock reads **6:23:41**
